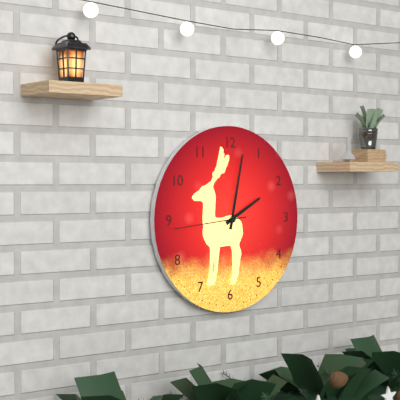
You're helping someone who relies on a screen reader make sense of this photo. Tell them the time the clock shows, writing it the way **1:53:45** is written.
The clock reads **2:02:44**
